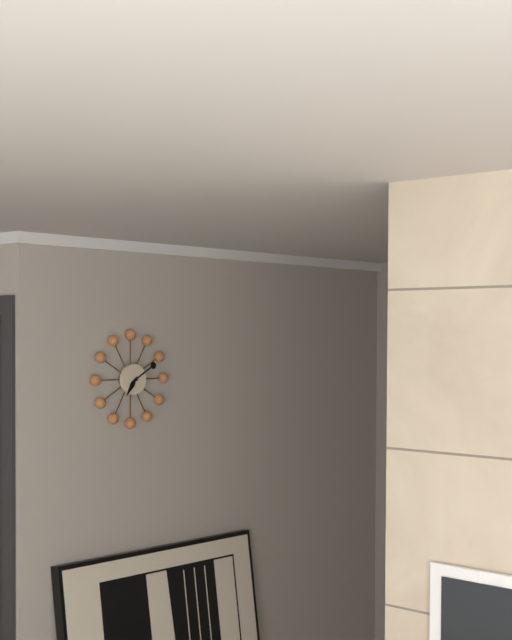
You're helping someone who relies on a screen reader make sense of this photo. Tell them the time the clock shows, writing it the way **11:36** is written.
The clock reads **7:10**
